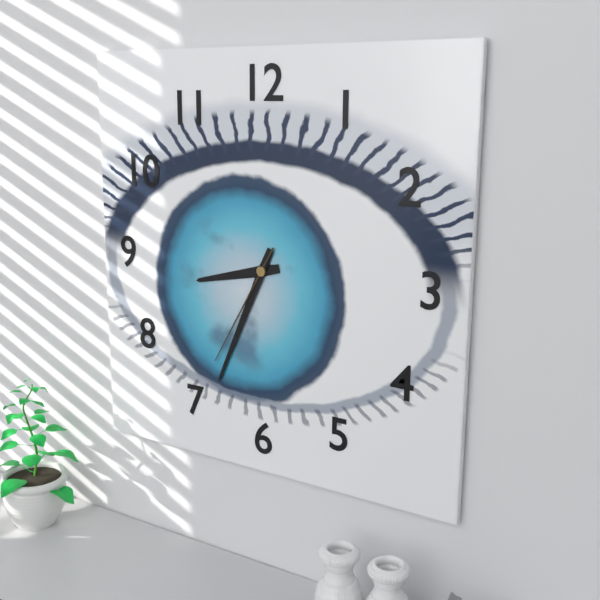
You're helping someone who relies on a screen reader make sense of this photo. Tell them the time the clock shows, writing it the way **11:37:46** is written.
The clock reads **8:34:35**
